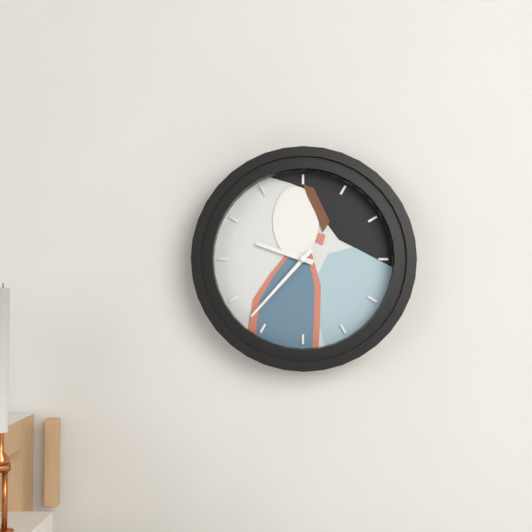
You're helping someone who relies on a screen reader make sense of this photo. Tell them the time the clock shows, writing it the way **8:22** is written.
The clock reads **9:37**
